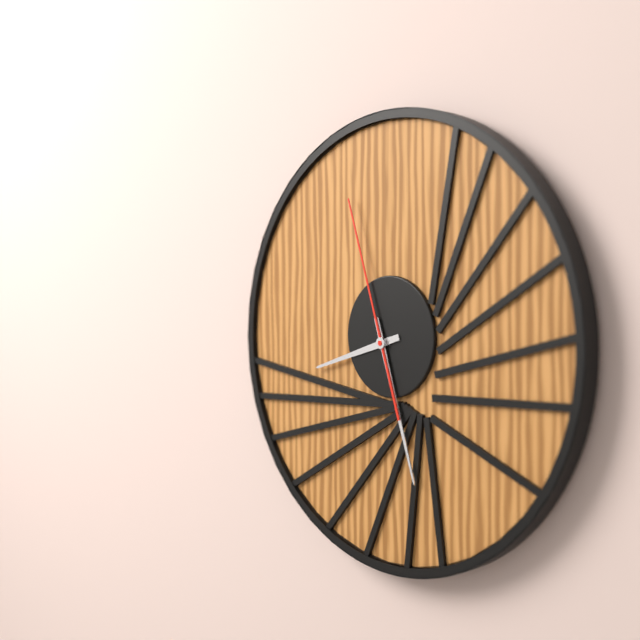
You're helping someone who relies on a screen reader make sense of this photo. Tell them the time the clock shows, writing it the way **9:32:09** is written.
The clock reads **8:27:57**
